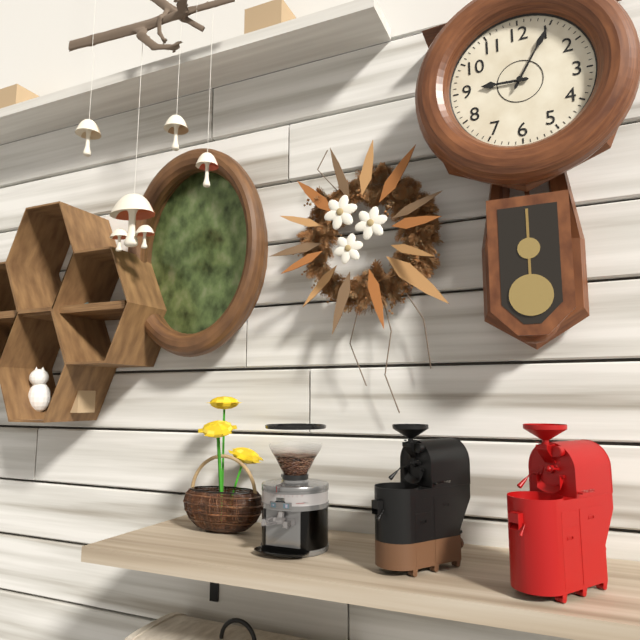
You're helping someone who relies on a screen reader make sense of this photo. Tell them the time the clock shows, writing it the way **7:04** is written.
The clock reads **9:05**
